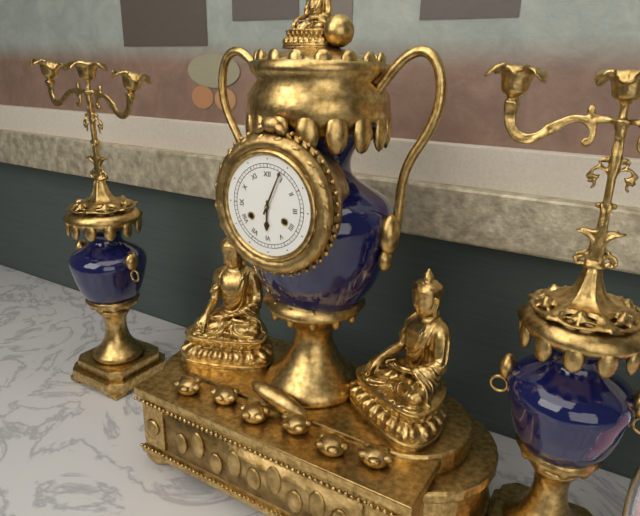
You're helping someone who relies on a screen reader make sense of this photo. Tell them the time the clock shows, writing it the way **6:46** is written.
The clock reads **6:04**
